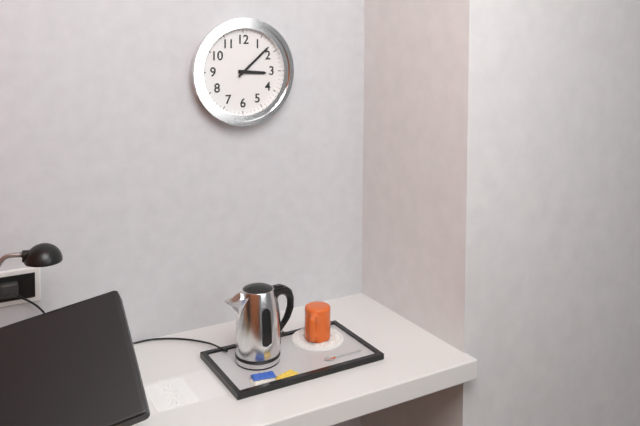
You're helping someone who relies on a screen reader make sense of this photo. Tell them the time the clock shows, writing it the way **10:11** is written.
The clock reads **3:08**
